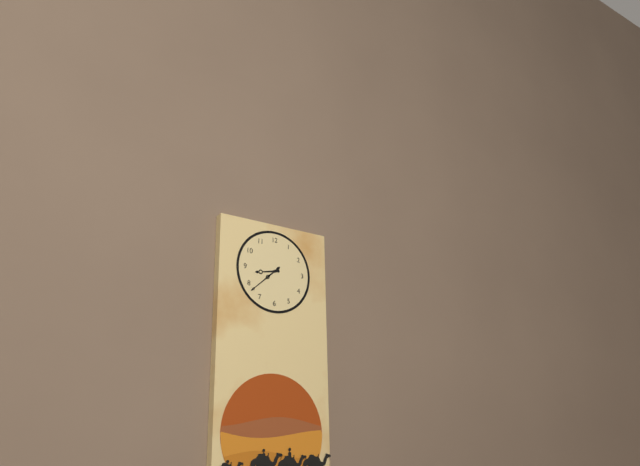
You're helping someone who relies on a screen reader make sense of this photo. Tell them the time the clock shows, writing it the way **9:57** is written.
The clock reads **8:38**
